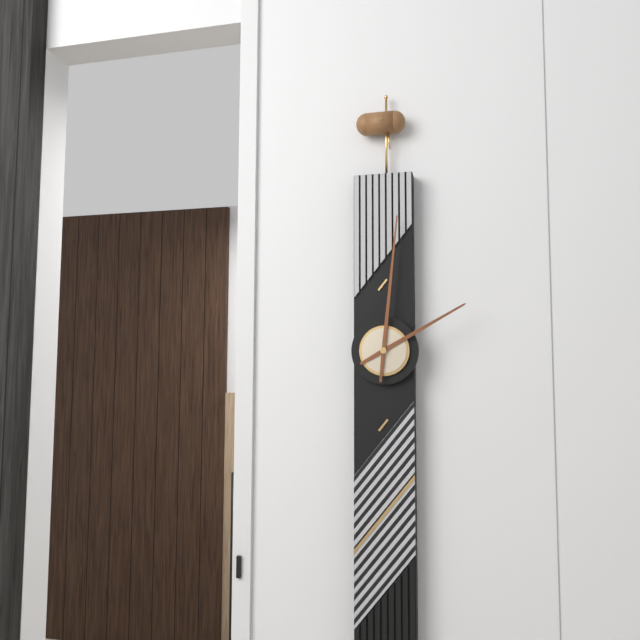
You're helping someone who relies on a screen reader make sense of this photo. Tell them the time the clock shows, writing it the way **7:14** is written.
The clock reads **2:01**
